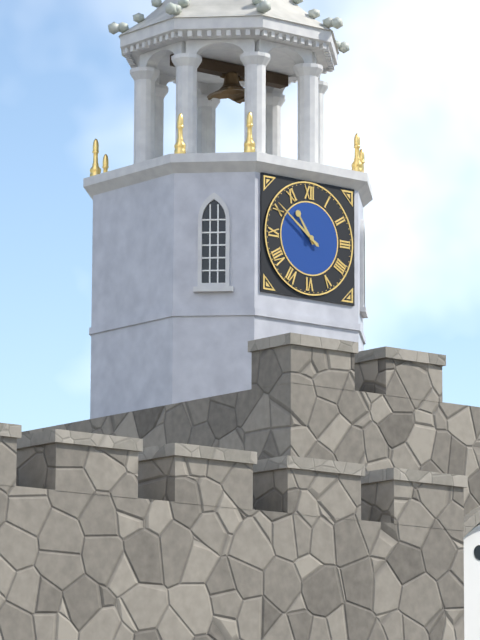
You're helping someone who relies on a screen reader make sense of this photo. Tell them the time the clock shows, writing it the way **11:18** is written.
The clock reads **10:51**
